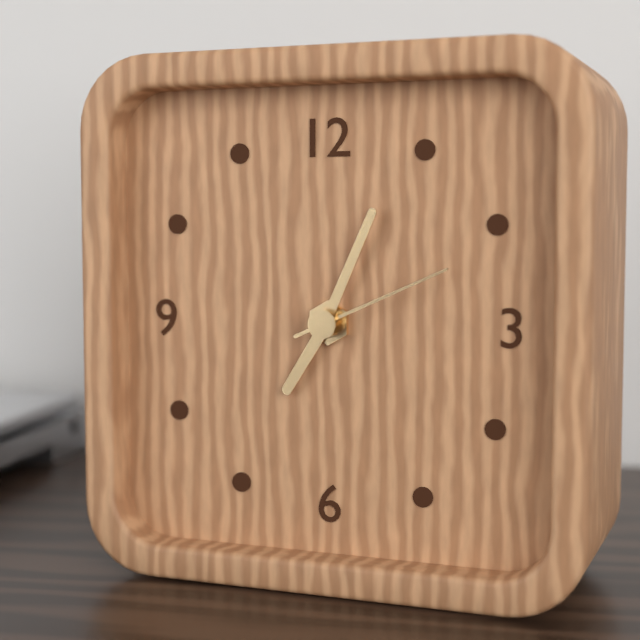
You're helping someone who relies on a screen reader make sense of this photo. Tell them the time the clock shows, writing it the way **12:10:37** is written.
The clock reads **7:04:11**
